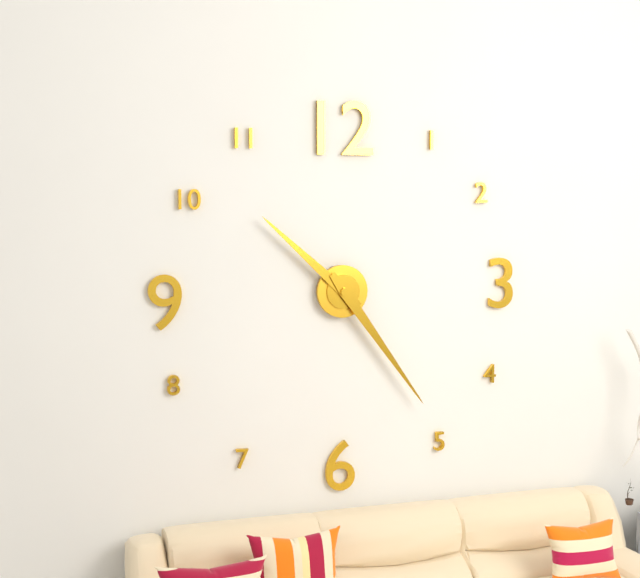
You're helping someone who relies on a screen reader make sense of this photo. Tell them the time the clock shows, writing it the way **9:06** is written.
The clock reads **10:24**
